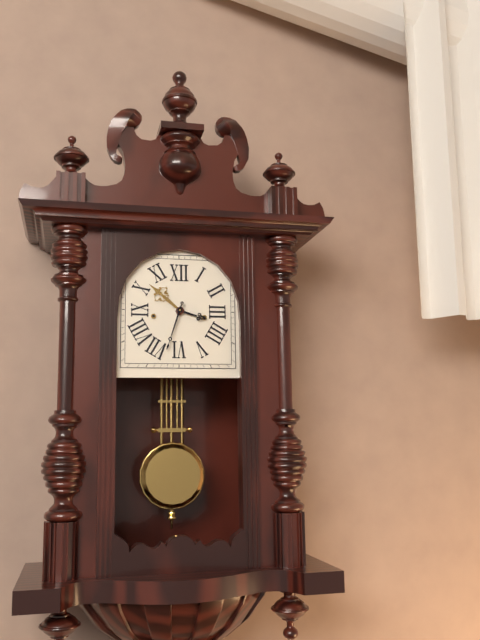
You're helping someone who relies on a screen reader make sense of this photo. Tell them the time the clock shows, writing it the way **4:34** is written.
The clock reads **3:33**
